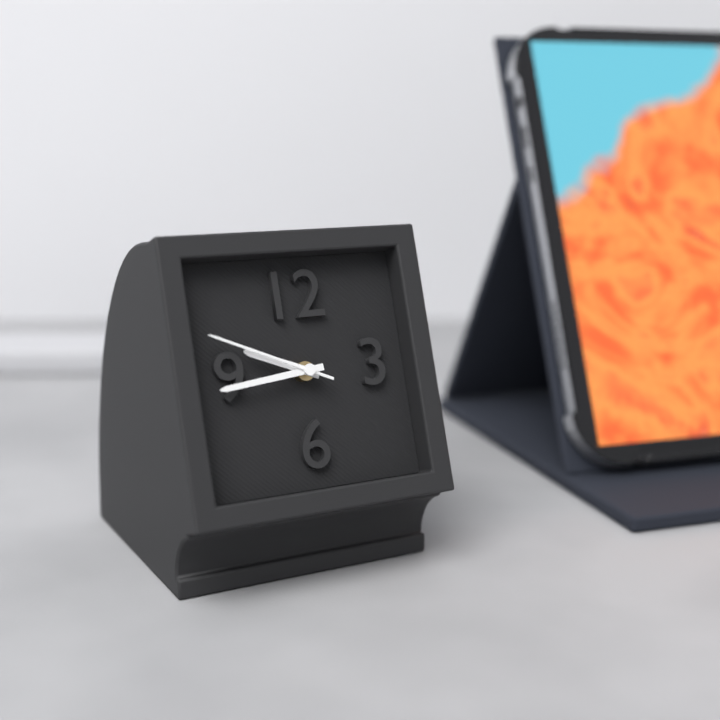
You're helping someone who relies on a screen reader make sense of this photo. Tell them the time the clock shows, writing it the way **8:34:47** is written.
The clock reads **9:44:49**
